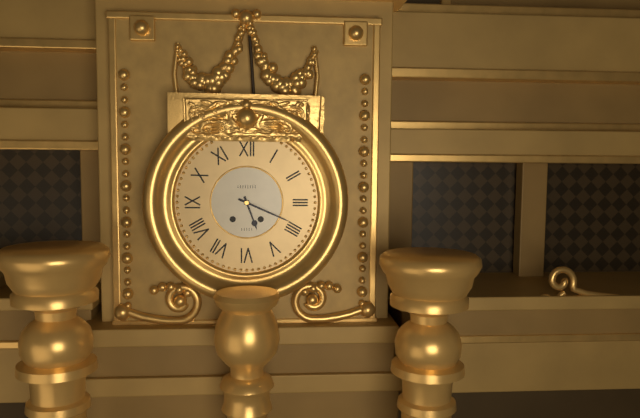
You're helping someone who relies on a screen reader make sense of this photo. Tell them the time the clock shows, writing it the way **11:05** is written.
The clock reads **5:19**
